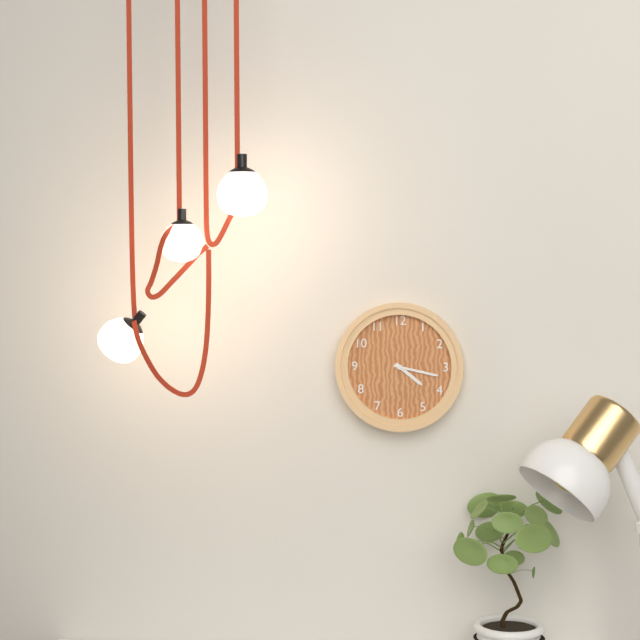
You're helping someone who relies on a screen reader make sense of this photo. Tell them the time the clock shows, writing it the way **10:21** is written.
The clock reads **4:17**
